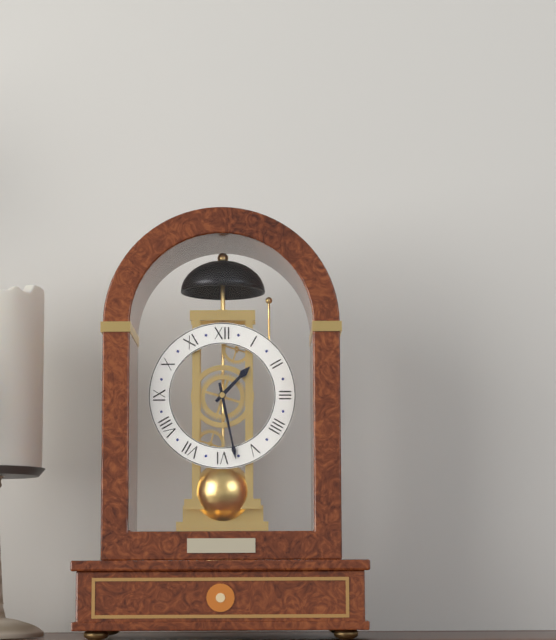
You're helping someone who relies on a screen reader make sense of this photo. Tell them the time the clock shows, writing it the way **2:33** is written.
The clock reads **1:28**
